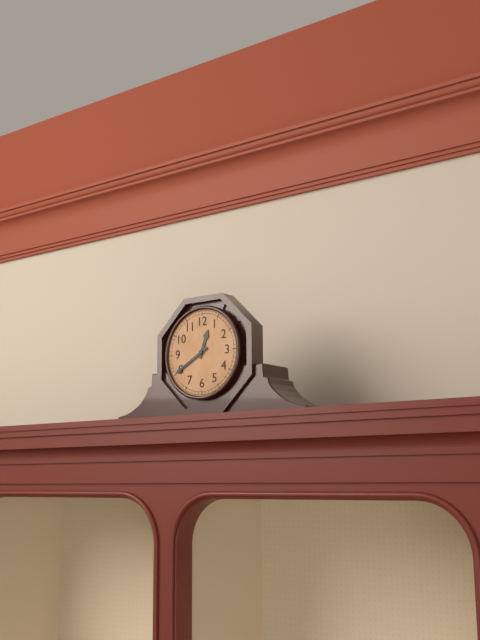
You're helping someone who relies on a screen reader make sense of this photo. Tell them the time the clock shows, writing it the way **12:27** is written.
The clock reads **12:40**
